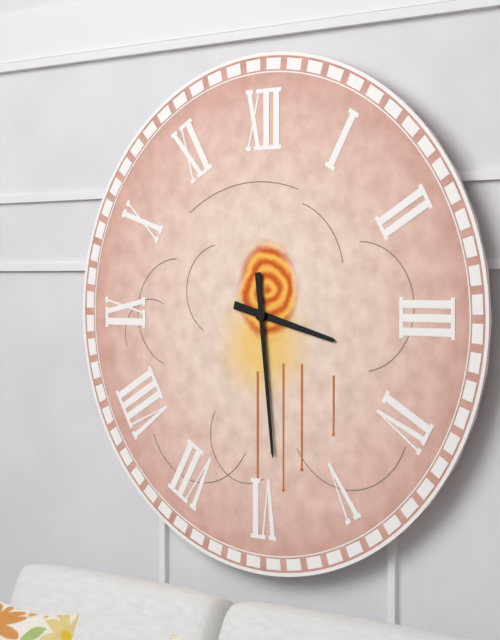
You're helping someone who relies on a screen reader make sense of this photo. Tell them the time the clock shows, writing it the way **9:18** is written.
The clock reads **3:29**
